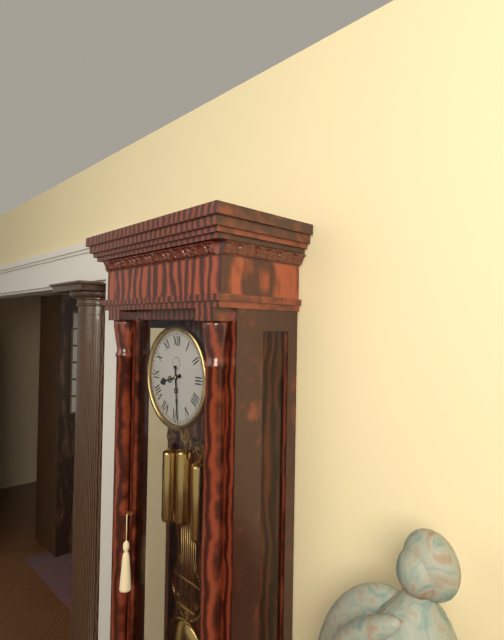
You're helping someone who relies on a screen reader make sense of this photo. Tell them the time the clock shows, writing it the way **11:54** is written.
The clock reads **8:29**
